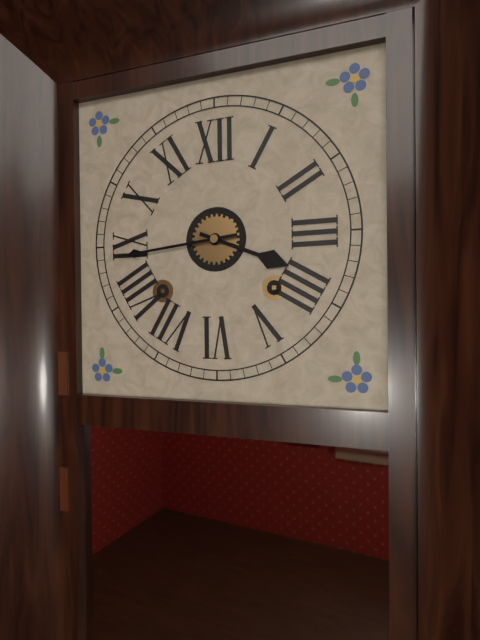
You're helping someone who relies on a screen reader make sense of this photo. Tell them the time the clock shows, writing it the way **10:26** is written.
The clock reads **3:44**
